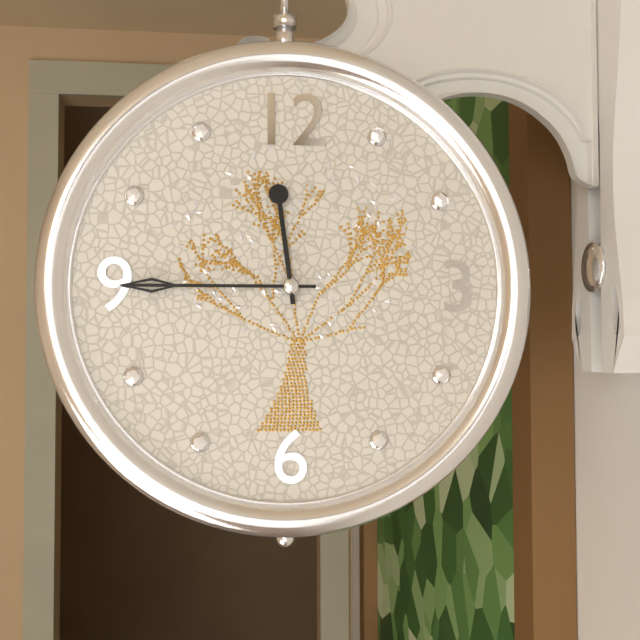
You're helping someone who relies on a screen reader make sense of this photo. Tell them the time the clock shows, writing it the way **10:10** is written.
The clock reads **11:45**
